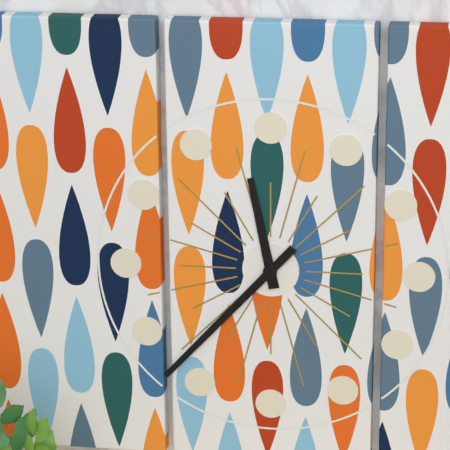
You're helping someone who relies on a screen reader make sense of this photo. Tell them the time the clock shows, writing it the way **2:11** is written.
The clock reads **11:37**
